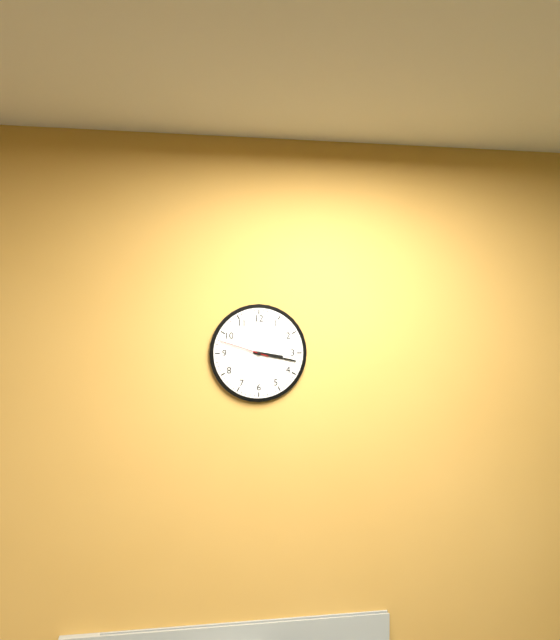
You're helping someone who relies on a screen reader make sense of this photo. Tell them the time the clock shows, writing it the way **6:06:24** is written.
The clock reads **3:17:48**
